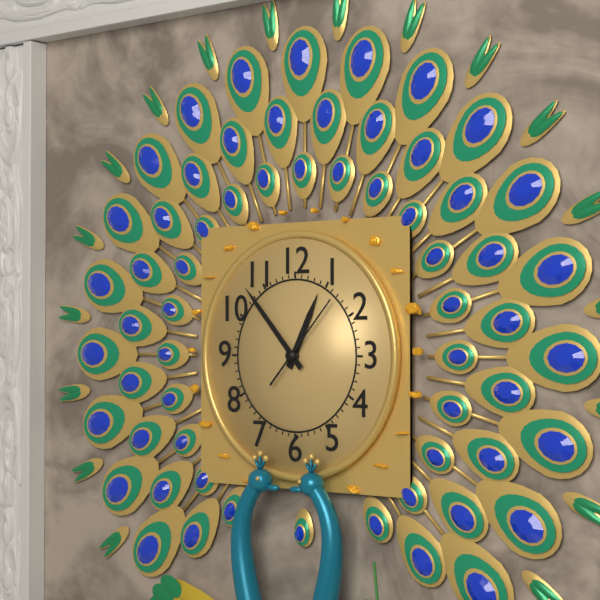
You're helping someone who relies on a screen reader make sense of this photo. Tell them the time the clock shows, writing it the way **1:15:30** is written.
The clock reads **12:53:07**
